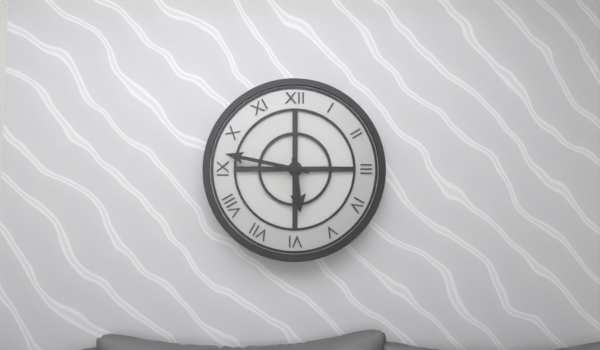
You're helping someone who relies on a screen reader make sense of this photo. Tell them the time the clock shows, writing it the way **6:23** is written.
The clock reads **5:47**
